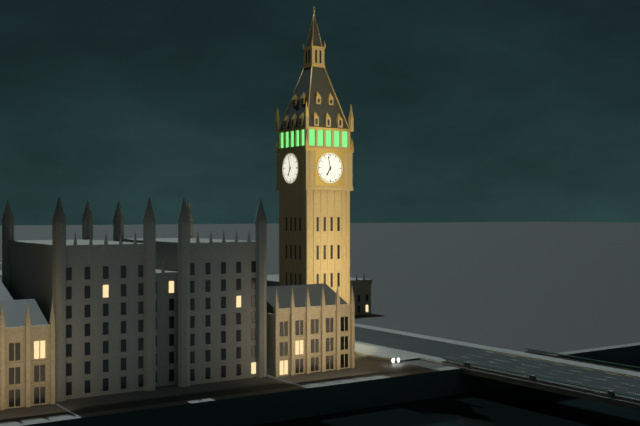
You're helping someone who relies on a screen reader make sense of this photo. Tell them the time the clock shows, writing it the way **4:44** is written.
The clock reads **6:58**
